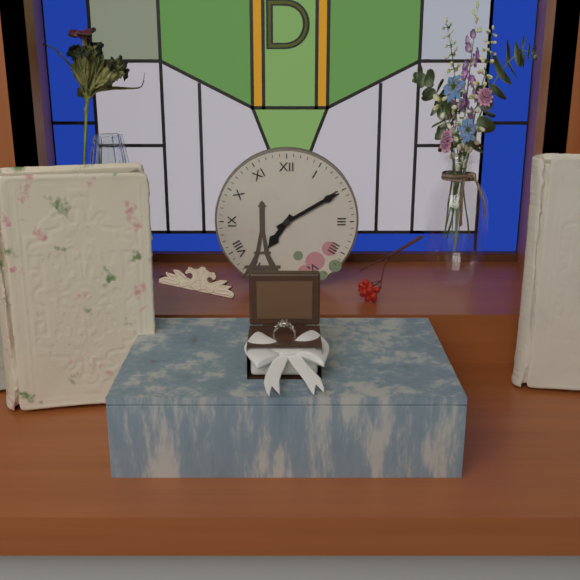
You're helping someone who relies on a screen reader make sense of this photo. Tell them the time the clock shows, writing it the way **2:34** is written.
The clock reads **7:10**
